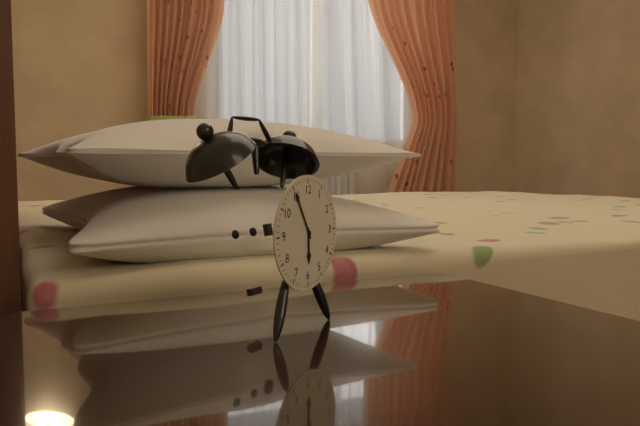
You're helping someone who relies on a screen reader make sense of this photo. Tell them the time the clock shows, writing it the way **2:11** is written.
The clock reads **5:55**
